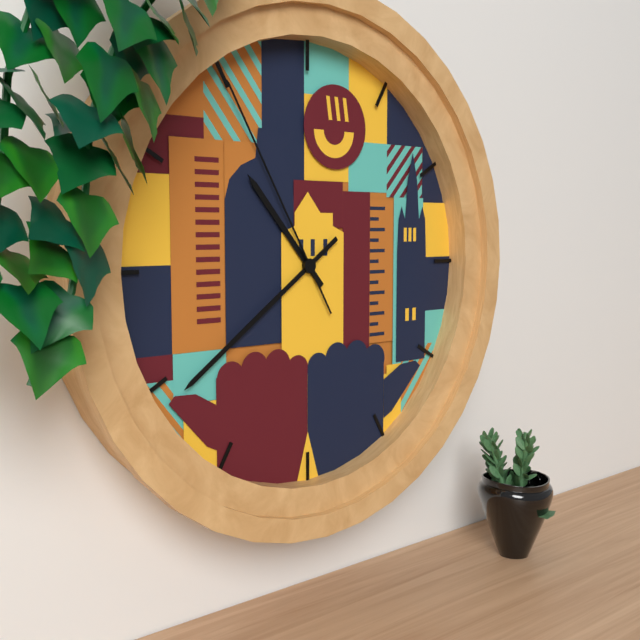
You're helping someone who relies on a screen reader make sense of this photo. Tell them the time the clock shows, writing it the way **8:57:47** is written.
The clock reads **10:39:55**
